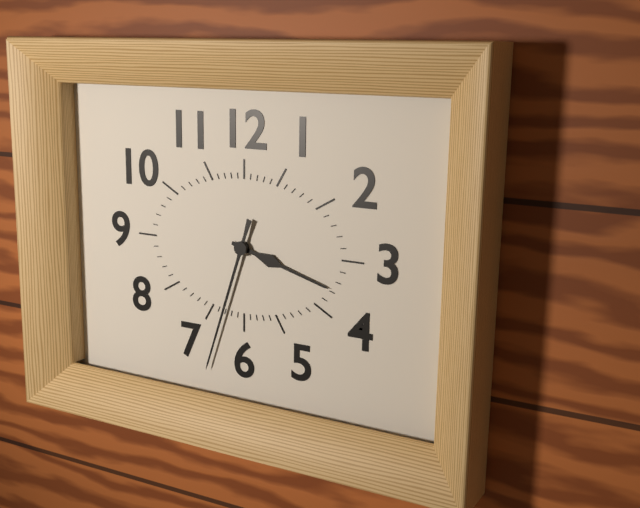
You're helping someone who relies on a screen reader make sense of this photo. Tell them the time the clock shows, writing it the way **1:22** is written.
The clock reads **3:33**
